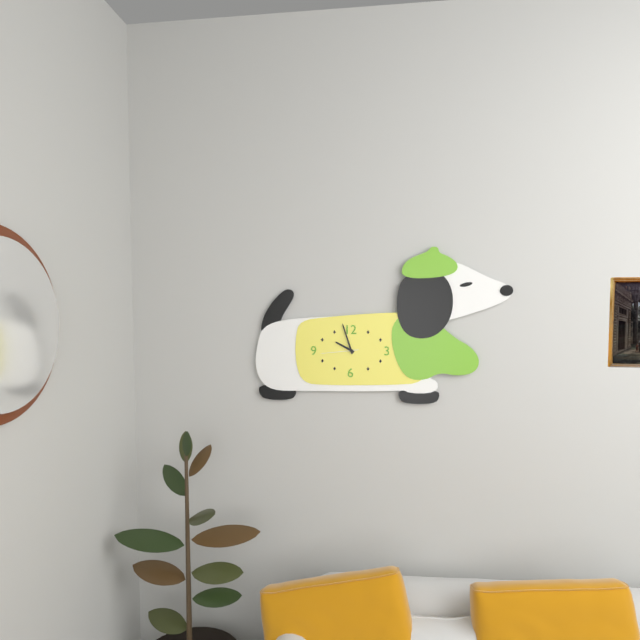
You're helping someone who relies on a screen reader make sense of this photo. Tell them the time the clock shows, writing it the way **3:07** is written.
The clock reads **9:57**
